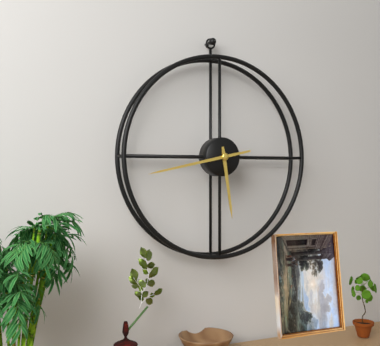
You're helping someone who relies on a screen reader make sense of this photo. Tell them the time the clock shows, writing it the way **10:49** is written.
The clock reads **5:43**
